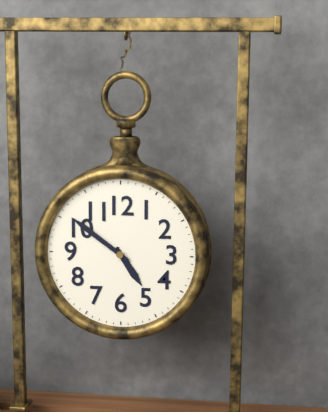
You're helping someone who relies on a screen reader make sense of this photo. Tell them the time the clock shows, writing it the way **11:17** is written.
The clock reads **4:51**
